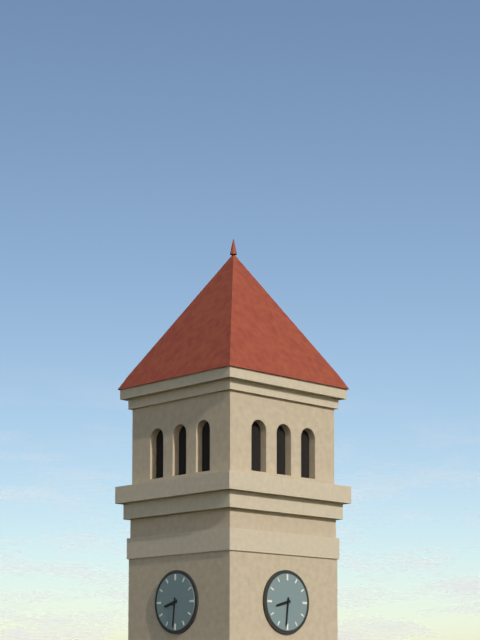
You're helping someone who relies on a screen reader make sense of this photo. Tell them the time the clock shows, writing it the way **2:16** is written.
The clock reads **8:31**
